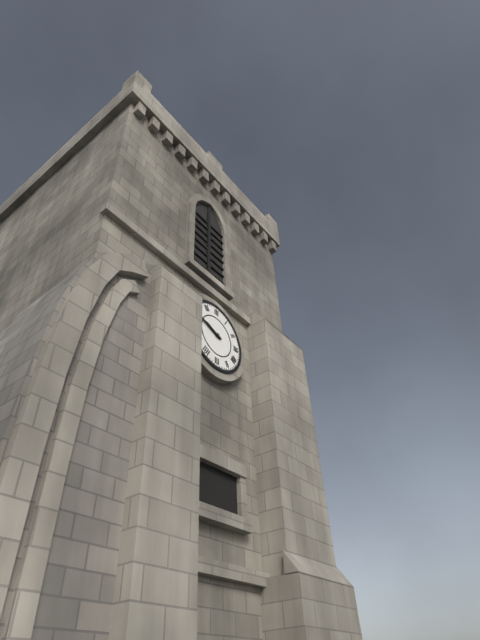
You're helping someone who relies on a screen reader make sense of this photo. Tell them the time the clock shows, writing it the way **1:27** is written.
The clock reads **9:48**
